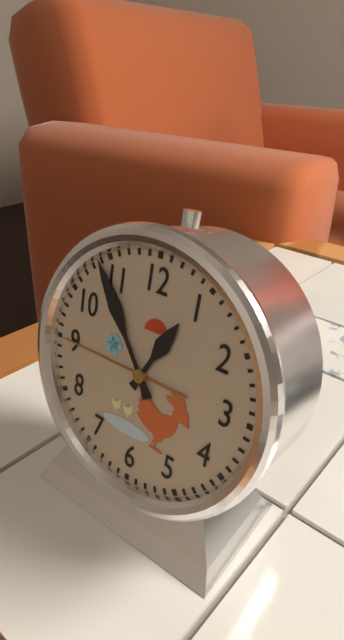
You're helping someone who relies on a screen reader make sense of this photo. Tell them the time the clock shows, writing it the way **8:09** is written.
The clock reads **12:54**
